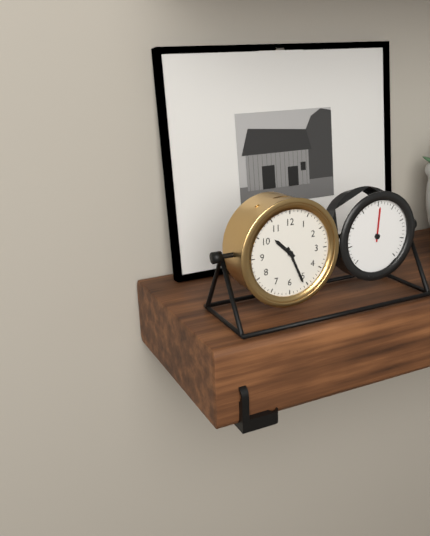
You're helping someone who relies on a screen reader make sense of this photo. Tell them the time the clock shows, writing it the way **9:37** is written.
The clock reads **10:26**
